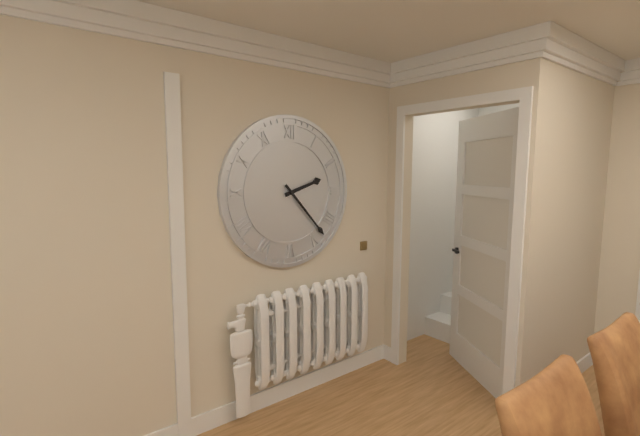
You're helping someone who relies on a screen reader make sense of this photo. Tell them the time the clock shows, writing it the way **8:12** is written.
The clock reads **2:23**
